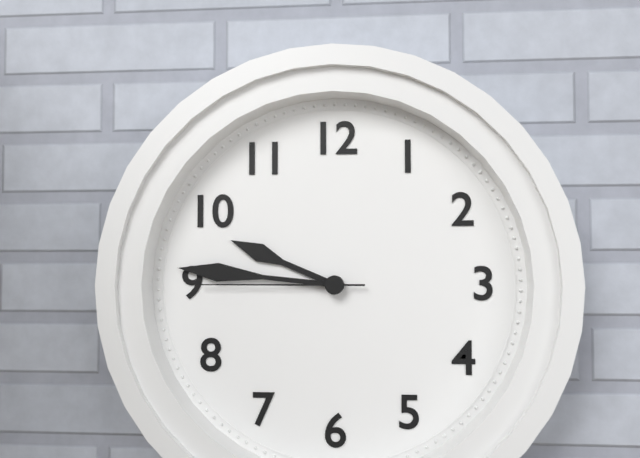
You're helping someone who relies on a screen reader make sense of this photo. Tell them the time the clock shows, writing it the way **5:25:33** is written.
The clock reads **9:46:45**
